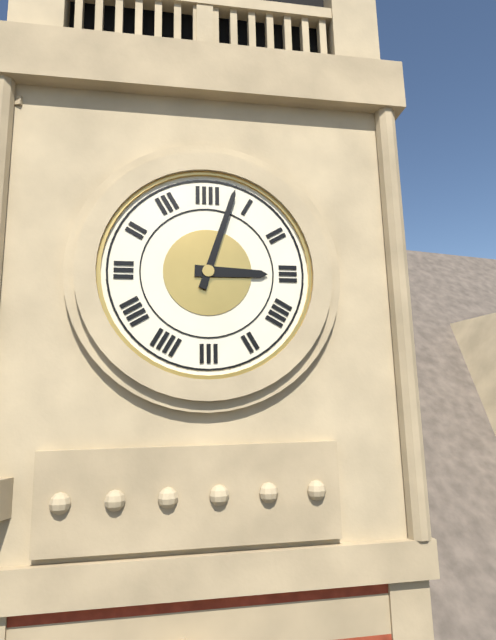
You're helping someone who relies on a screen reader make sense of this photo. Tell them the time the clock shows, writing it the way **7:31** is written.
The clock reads **3:03**
